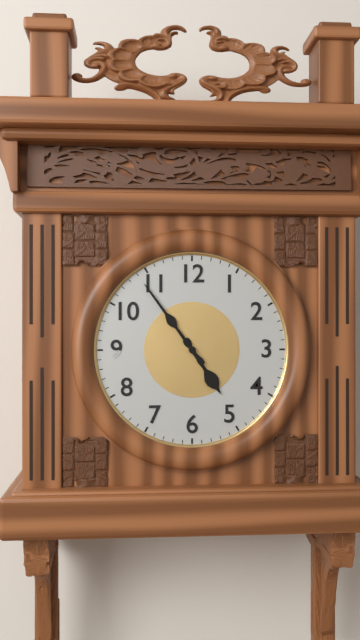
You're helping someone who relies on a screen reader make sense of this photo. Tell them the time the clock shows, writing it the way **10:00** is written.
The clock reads **4:54**
